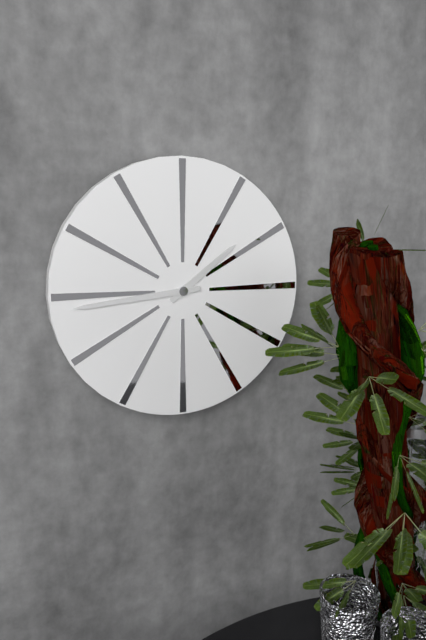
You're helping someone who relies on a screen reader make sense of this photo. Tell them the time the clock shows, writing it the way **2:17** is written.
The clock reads **1:44**
